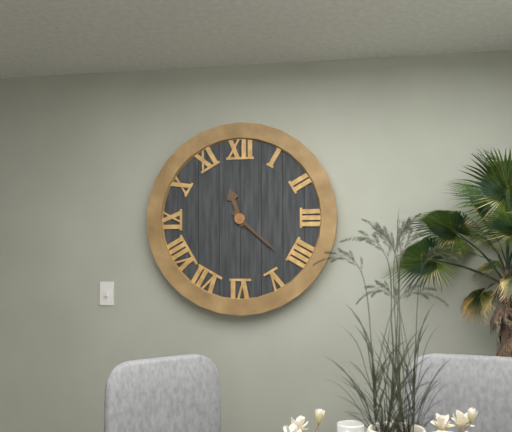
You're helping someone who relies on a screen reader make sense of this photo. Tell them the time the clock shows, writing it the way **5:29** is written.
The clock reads **11:22**
